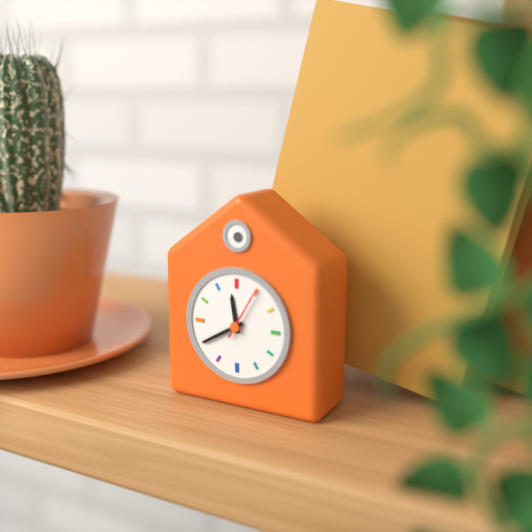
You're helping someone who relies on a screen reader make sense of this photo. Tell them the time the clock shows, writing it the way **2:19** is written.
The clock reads **11:40**
